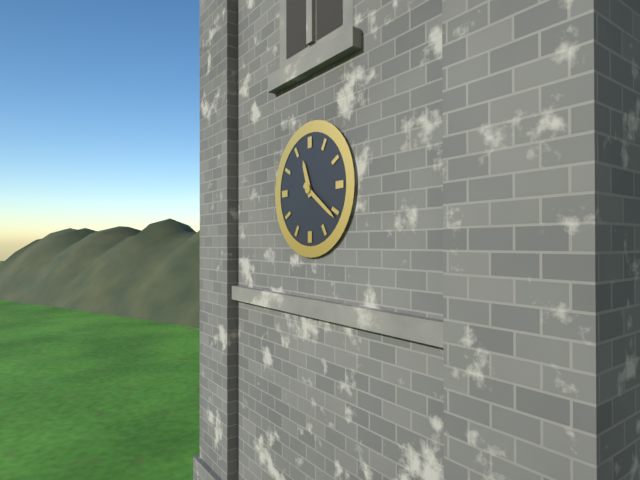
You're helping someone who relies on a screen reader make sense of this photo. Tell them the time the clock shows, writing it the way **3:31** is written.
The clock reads **11:21**
